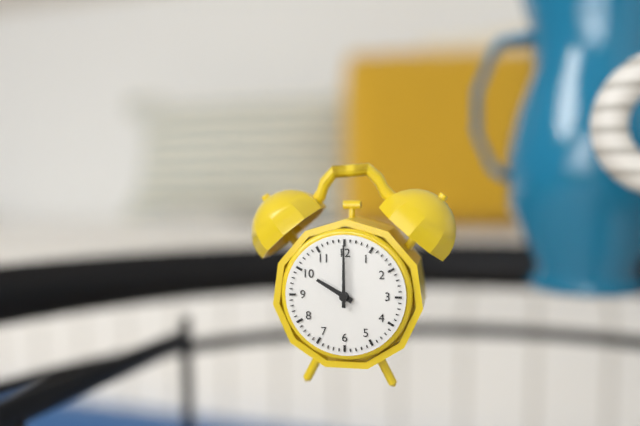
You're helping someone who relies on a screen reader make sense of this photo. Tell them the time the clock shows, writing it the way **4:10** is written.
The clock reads **10:00**
